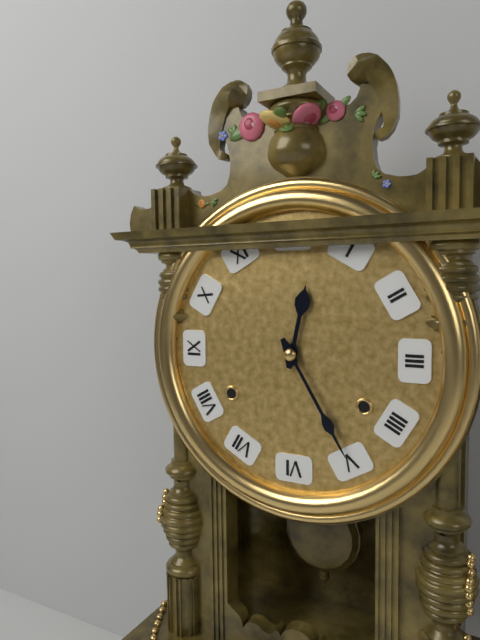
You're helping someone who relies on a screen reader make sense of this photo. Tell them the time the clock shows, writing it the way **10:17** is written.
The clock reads **12:25**
